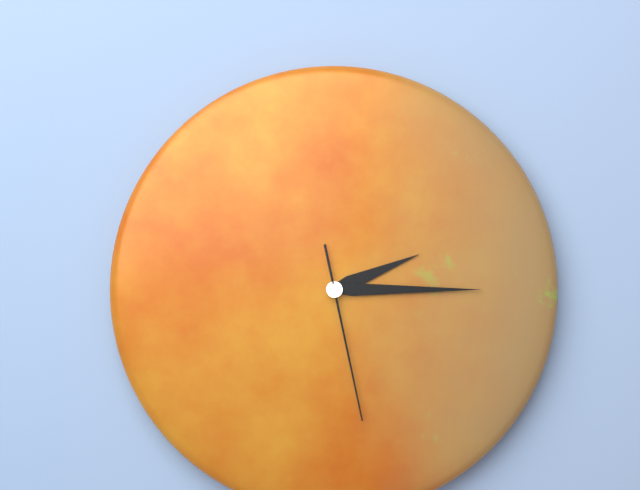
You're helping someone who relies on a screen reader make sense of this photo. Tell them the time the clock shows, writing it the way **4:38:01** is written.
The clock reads **2:15:28**
